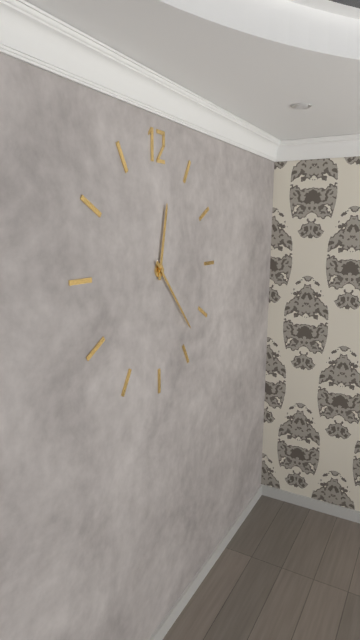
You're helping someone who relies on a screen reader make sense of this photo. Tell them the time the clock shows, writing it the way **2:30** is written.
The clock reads **12:23**
